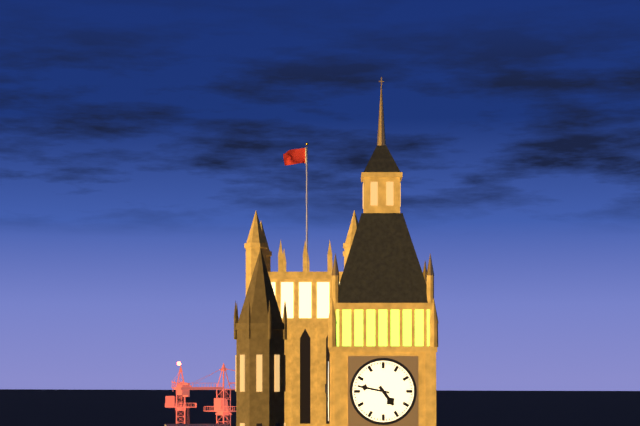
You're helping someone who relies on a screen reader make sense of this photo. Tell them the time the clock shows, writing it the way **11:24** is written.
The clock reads **4:47**
